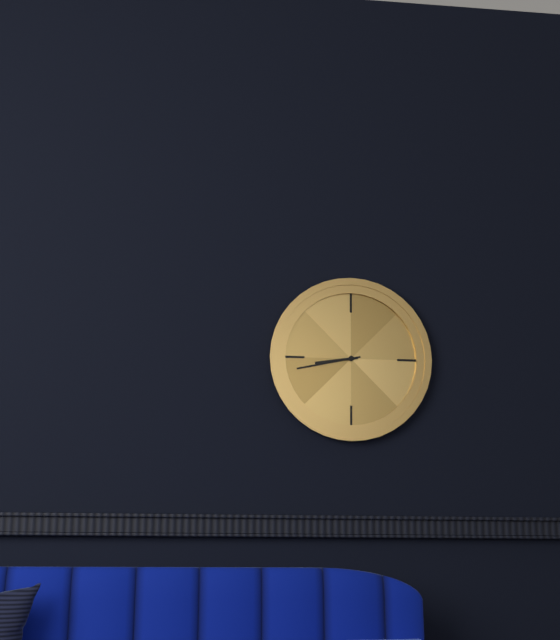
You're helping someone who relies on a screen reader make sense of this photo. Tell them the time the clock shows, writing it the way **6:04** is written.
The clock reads **8:43**
